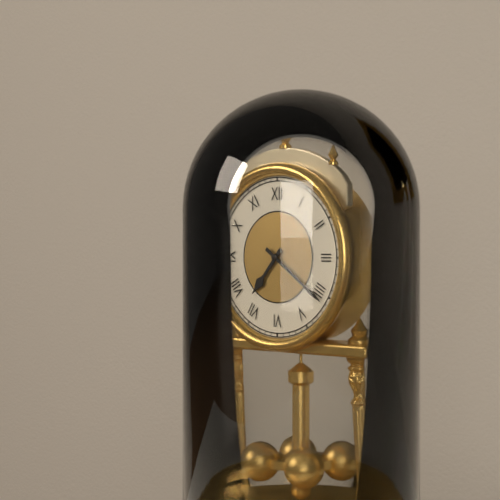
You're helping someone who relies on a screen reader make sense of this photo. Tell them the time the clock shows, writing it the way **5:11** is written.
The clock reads **7:21**
